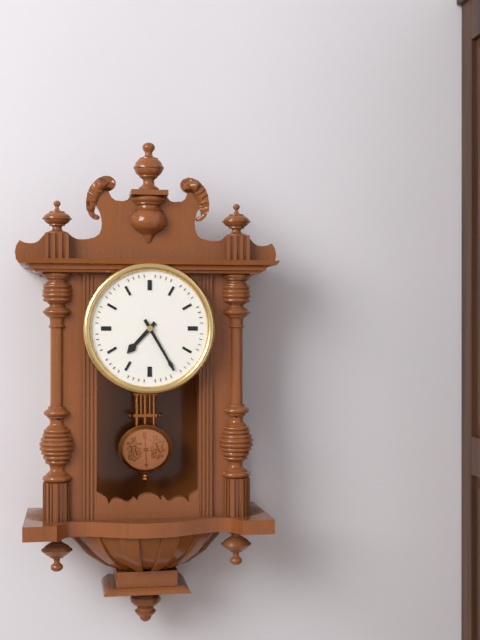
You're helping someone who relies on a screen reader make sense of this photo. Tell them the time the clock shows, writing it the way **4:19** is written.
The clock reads **7:25**
